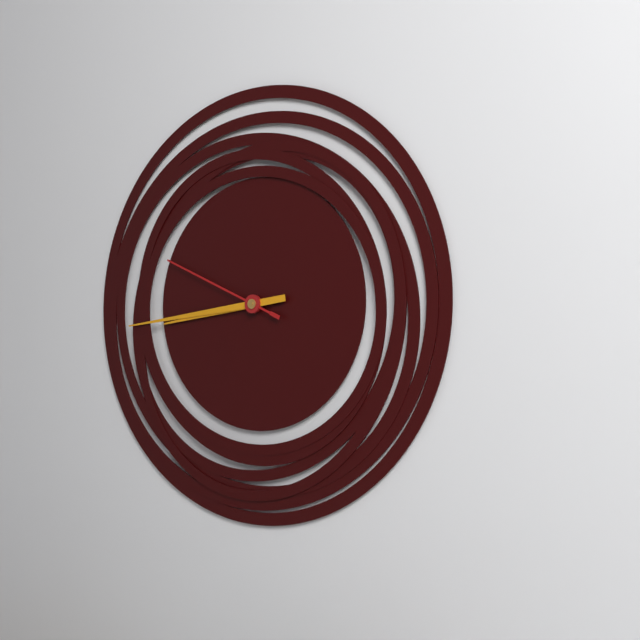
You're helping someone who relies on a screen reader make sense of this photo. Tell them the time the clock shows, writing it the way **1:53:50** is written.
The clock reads **8:44:49**
